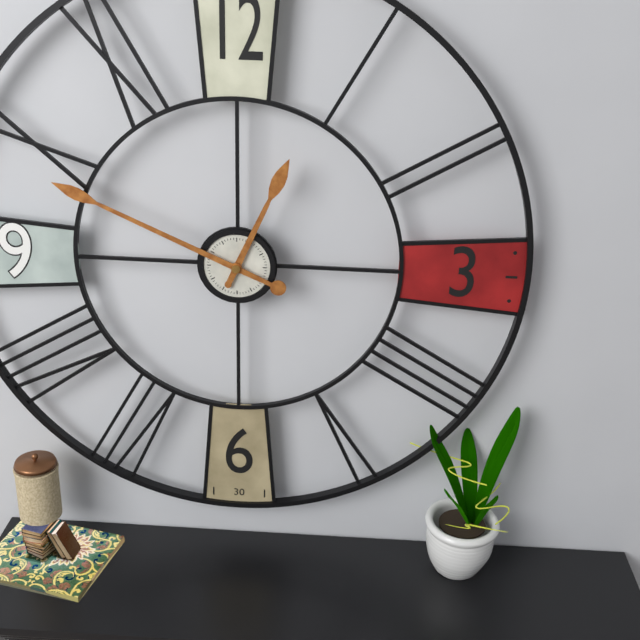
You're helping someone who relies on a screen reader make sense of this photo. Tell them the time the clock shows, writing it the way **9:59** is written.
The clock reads **12:49**
